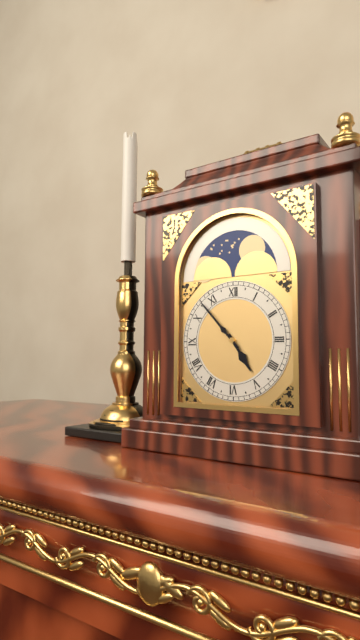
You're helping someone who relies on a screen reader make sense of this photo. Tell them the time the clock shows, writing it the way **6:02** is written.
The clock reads **4:53**
